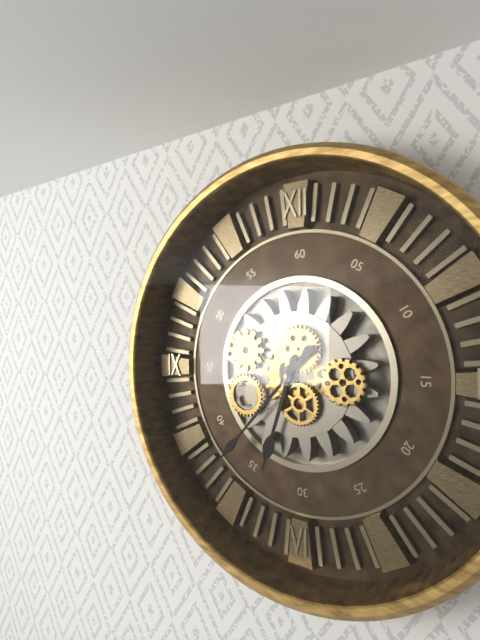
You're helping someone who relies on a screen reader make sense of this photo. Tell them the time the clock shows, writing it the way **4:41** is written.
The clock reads **6:37**
